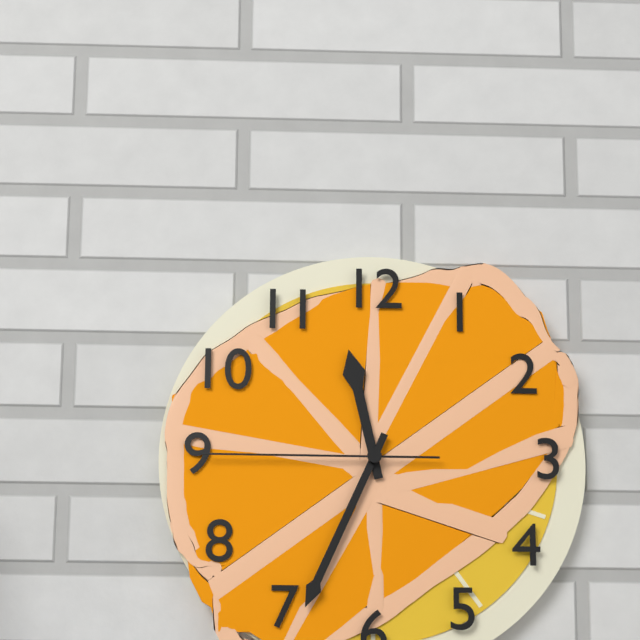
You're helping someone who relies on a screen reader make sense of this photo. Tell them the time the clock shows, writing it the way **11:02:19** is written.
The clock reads **11:34:45**
